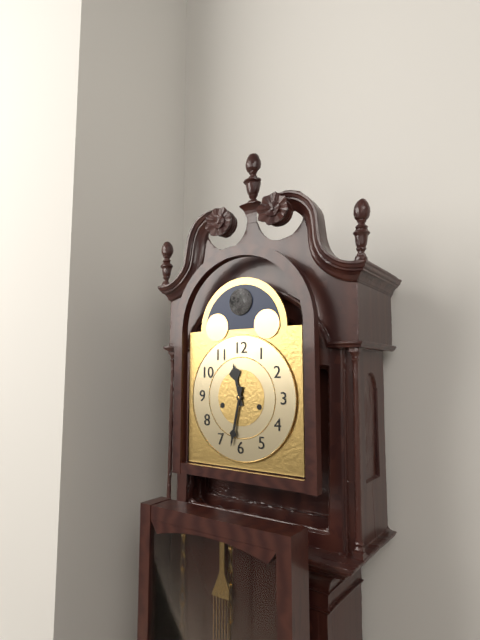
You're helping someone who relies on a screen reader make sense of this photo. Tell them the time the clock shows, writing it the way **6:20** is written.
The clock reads **11:32**
